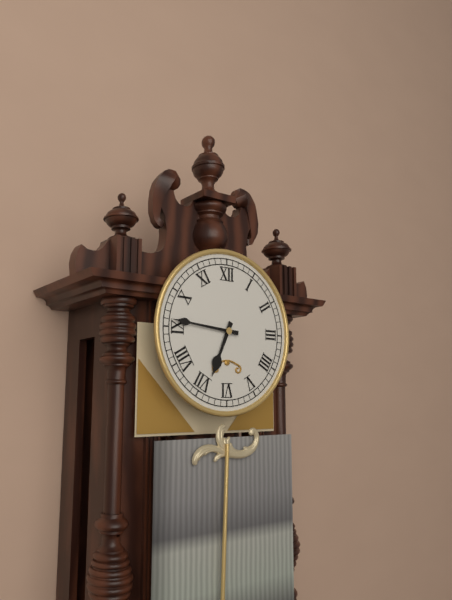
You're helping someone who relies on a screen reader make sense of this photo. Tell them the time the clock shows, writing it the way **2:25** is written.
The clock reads **6:46**
